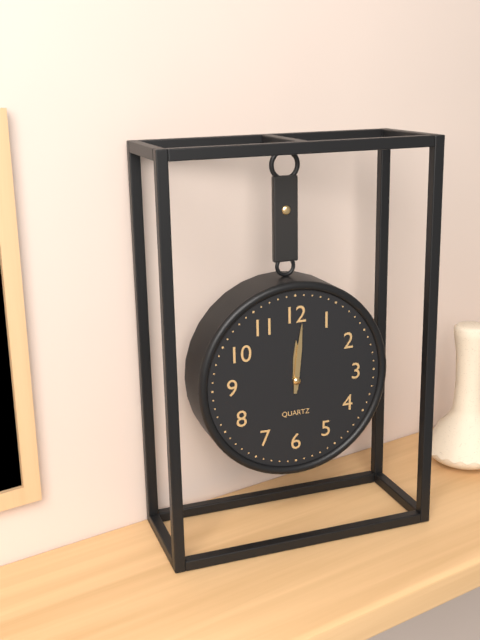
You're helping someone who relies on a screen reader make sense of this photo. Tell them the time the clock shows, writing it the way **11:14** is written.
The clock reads **12:01**
